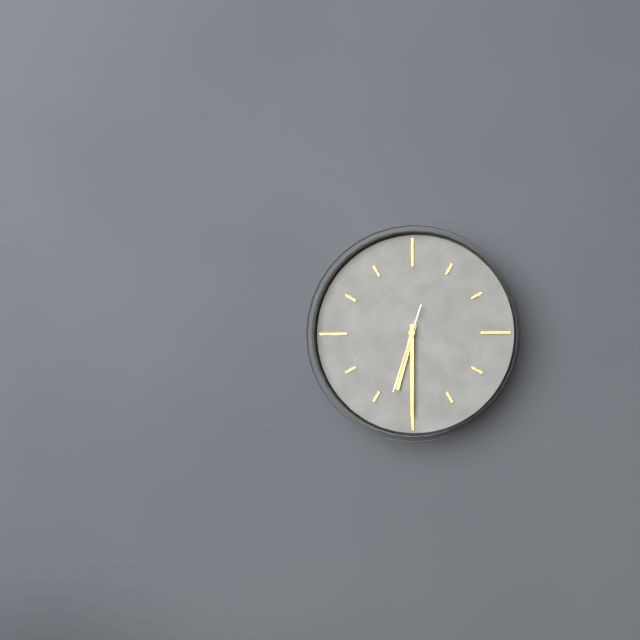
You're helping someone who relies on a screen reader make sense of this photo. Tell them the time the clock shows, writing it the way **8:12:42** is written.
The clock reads **6:30:33**
